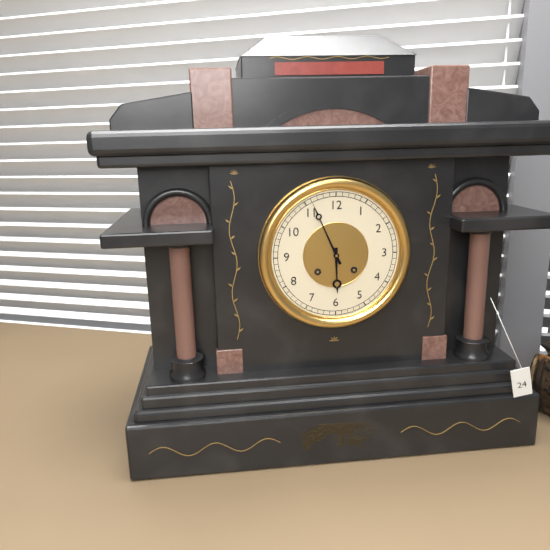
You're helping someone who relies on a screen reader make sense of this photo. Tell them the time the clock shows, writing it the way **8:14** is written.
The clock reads **5:56**
